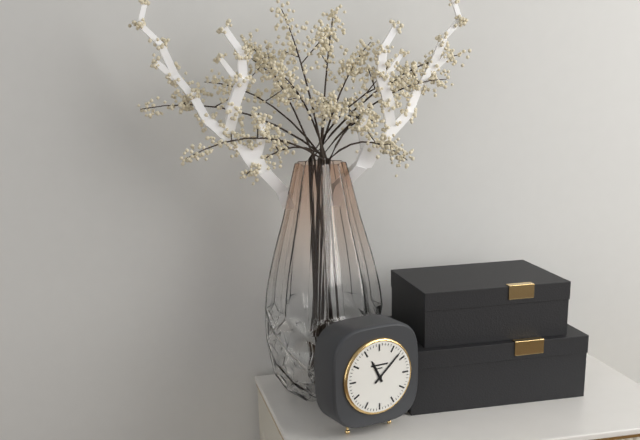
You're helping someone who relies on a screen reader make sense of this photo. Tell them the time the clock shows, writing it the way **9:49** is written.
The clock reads **11:08**
